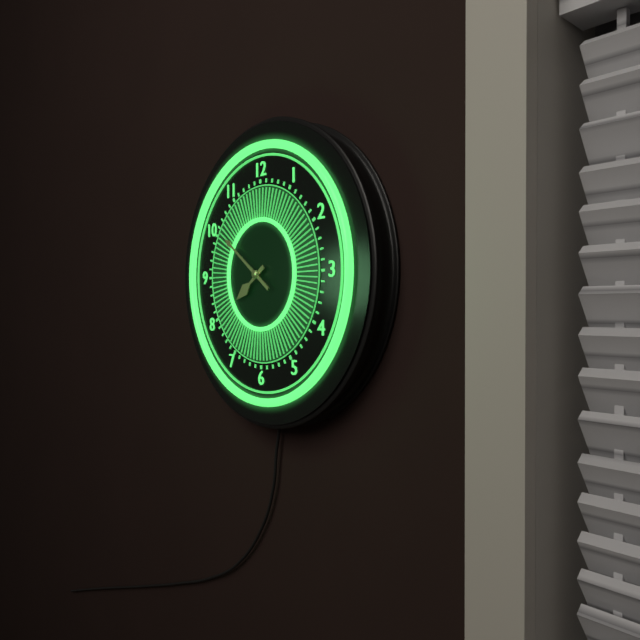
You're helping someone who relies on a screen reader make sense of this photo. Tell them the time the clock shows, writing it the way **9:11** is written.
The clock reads **7:51**
